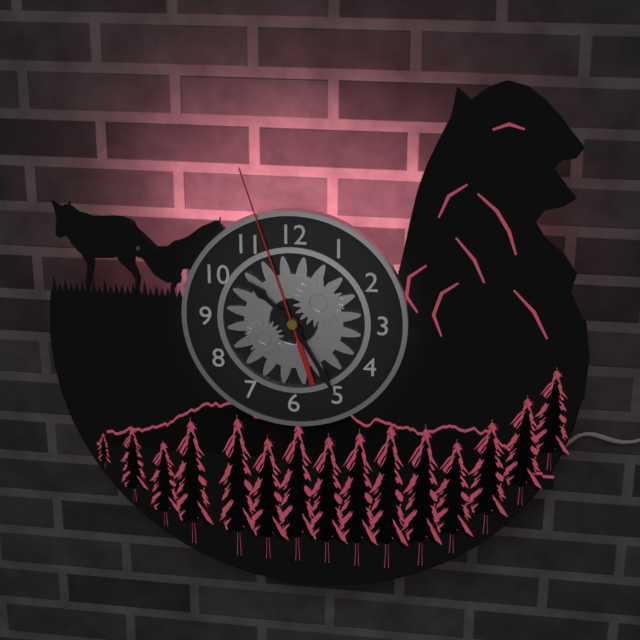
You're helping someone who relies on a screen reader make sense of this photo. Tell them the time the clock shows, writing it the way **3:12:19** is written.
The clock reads **10:25:57**
